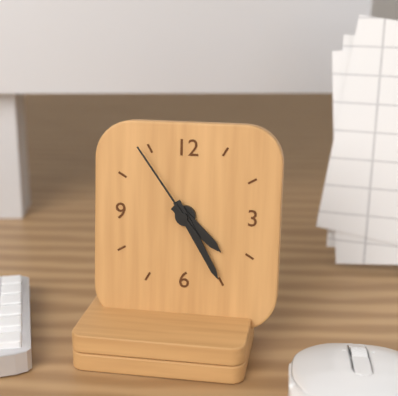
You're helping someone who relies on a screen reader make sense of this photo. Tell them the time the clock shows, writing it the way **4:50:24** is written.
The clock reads **4:25:54**
